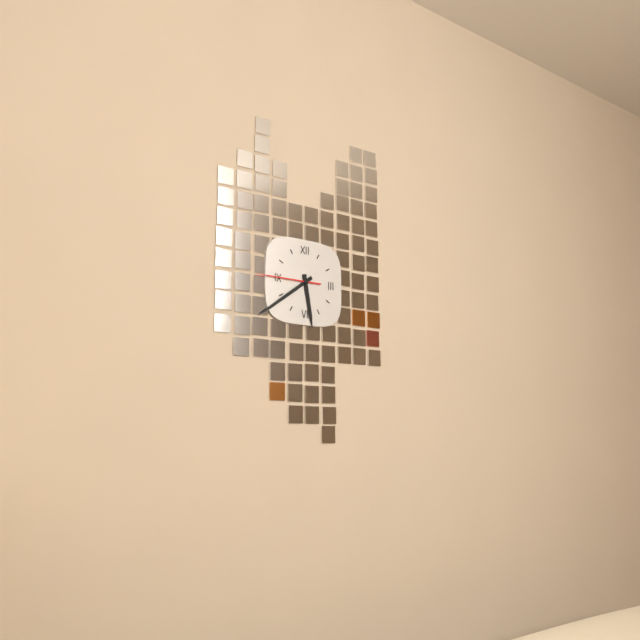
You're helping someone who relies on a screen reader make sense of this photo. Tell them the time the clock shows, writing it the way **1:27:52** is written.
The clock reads **5:39:45**
